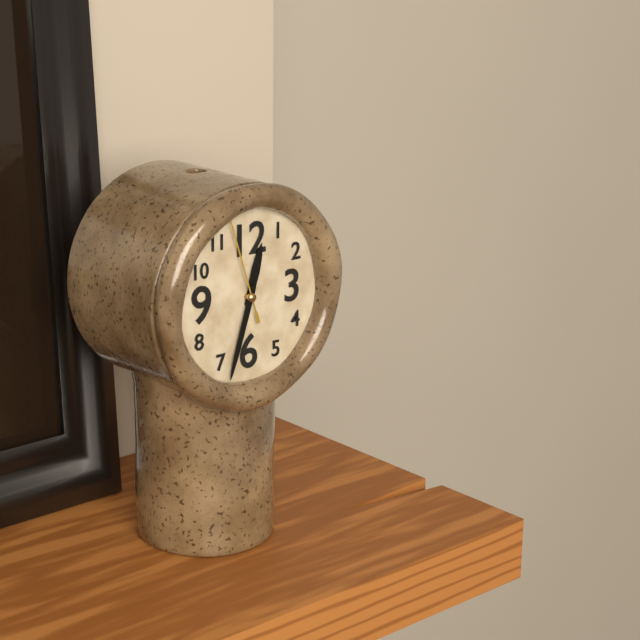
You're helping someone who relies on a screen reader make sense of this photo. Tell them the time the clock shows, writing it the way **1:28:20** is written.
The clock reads **12:33:57**
